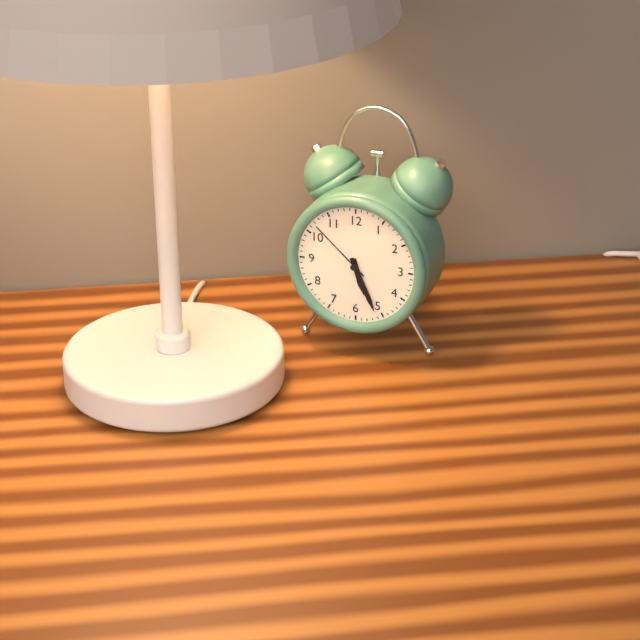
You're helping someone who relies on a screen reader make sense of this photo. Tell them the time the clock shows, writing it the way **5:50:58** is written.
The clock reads **5:26:52**
